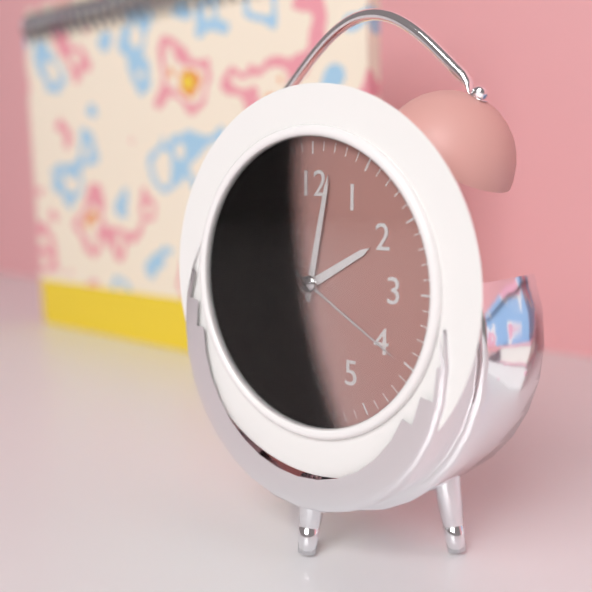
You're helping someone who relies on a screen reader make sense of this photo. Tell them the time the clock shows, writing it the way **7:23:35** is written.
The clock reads **2:02:20**
